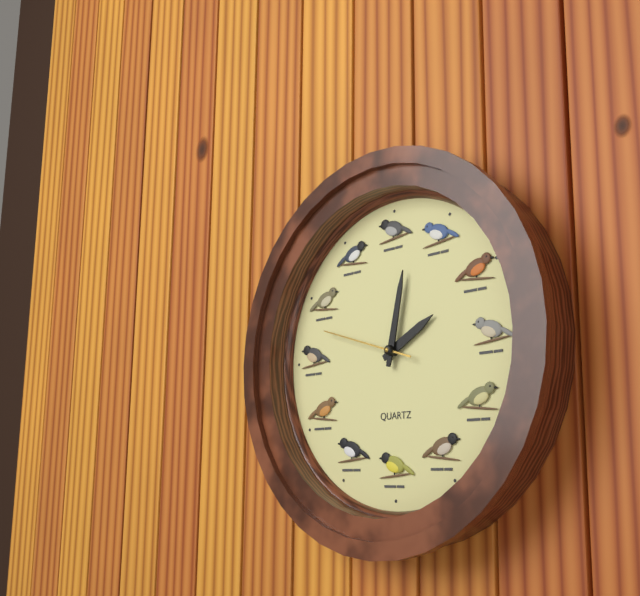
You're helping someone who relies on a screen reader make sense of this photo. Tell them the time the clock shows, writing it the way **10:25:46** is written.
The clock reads **2:02:48**
